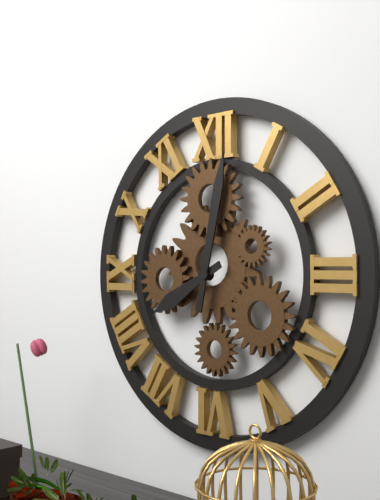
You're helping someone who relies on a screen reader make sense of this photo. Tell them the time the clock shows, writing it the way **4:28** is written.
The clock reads **8:02**
